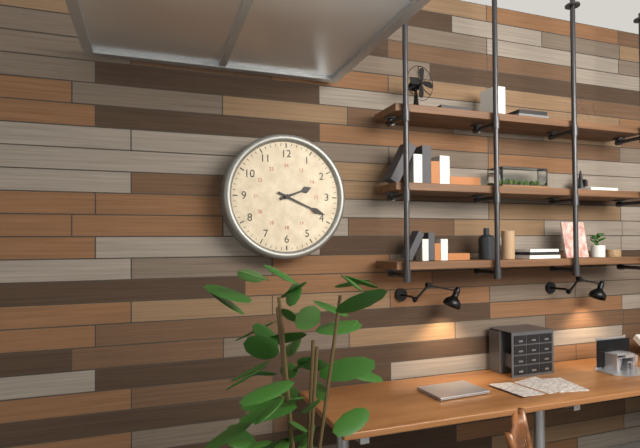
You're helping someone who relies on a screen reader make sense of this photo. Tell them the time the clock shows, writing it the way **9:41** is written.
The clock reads **2:19**
